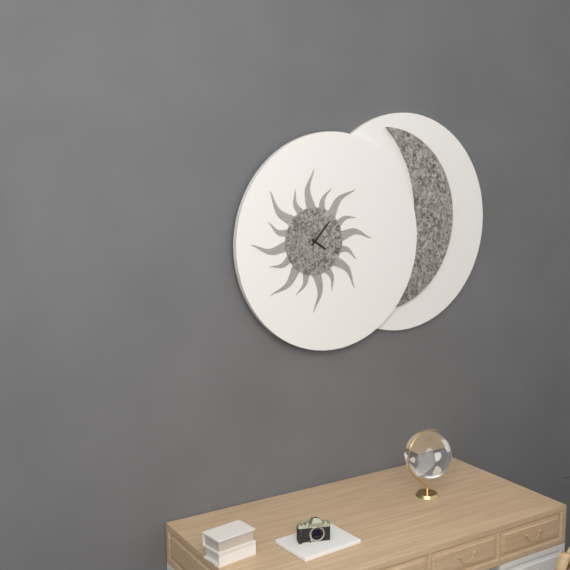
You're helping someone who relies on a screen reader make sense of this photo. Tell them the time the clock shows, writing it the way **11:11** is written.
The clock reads **4:07**
